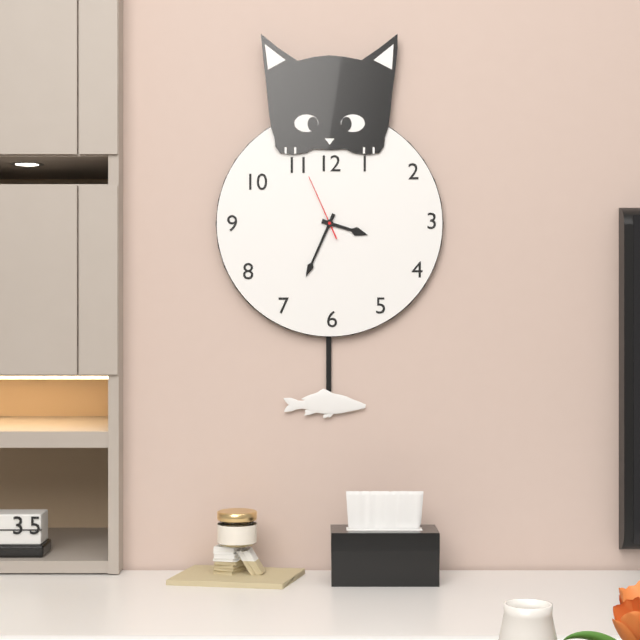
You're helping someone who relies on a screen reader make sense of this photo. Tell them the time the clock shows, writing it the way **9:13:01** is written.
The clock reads **3:34:56**
